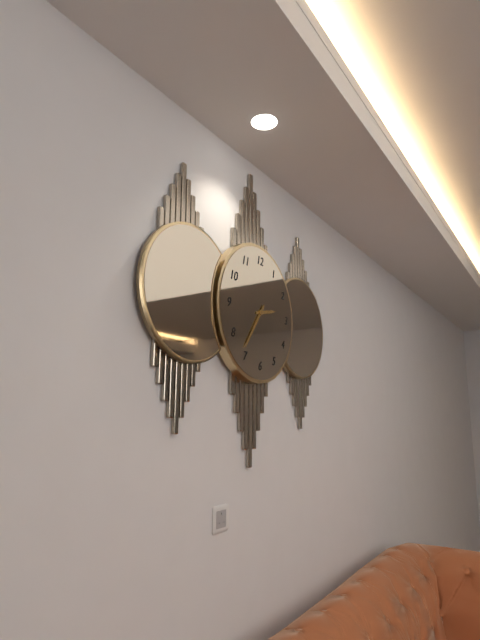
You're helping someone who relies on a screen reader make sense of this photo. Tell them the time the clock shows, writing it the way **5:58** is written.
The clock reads **2:36**
